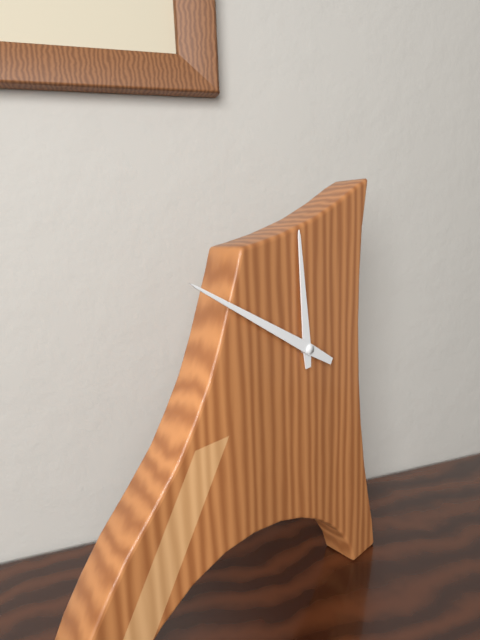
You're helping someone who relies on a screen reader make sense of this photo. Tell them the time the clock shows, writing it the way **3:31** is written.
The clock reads **11:50**
